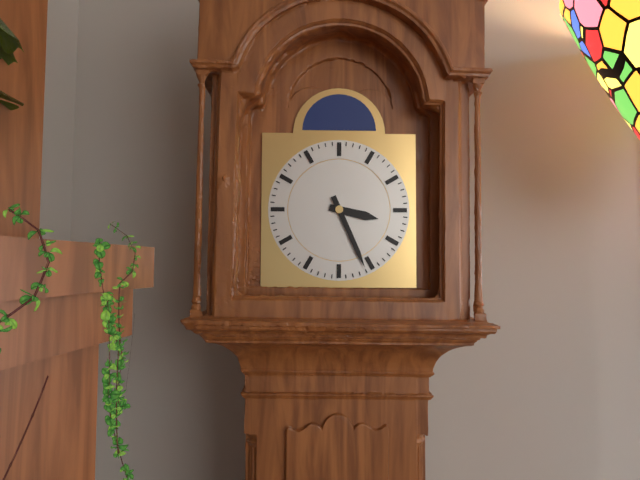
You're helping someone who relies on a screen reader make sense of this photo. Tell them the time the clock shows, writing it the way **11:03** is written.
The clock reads **3:26**
